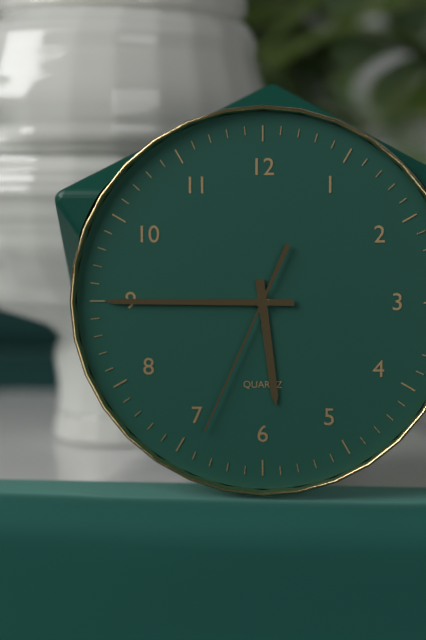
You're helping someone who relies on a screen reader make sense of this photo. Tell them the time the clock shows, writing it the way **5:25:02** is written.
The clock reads **5:45:34**
